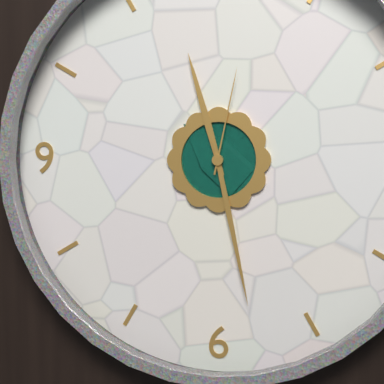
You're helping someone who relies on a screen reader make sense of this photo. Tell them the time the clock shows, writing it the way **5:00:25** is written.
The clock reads **11:28:02**
